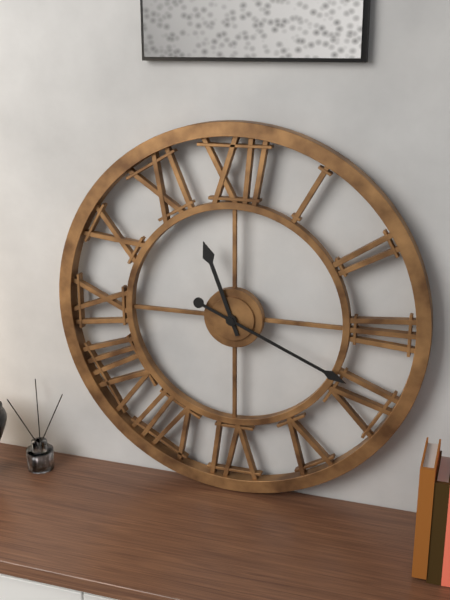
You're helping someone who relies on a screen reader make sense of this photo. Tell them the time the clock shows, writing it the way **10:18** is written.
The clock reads **11:19**
